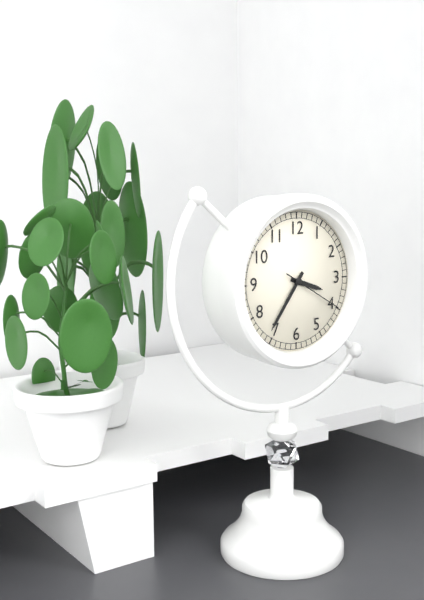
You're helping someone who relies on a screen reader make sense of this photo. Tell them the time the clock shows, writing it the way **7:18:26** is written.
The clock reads **3:36:20**
